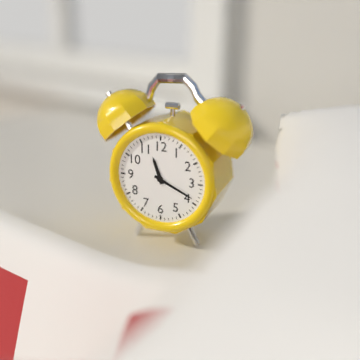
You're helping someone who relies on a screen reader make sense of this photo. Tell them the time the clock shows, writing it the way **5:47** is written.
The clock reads **11:19**
